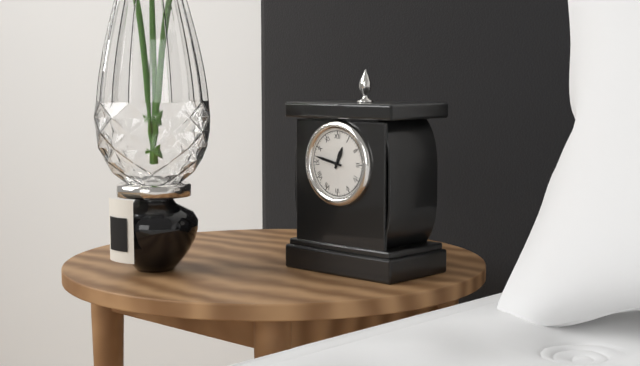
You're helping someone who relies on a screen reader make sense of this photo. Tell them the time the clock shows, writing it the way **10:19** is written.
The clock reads **12:47**
